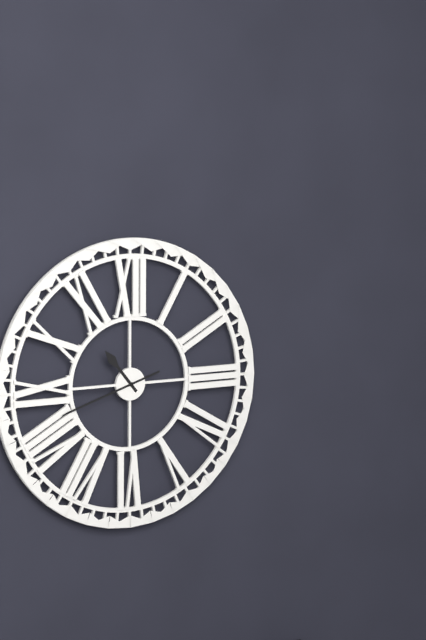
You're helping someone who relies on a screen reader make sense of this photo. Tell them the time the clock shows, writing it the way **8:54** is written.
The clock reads **10:42**
